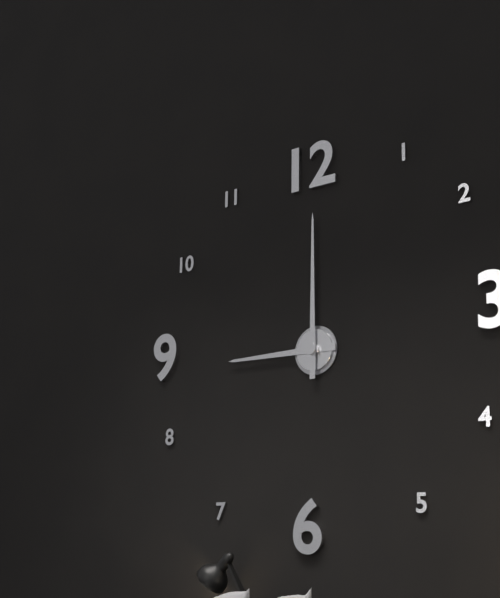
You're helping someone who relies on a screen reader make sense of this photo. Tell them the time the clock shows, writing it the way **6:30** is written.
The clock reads **9:00**
